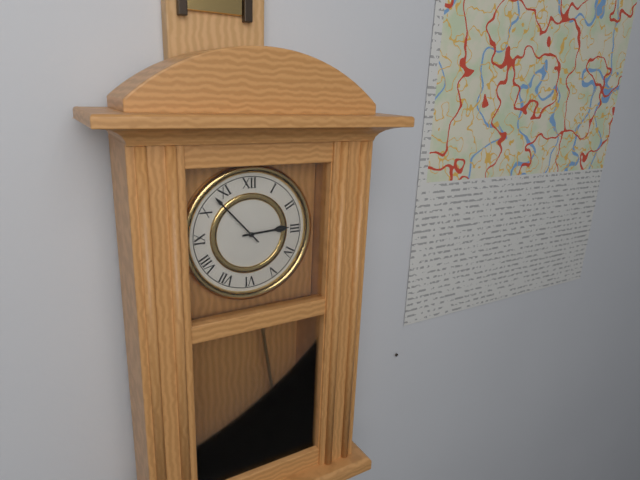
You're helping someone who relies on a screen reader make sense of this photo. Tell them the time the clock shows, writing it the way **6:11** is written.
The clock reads **2:53**
